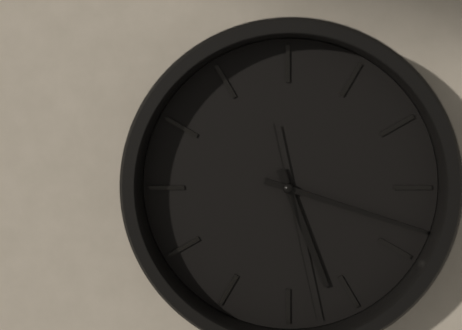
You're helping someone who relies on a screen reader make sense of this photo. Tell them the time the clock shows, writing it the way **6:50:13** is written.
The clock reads **5:18:28**
